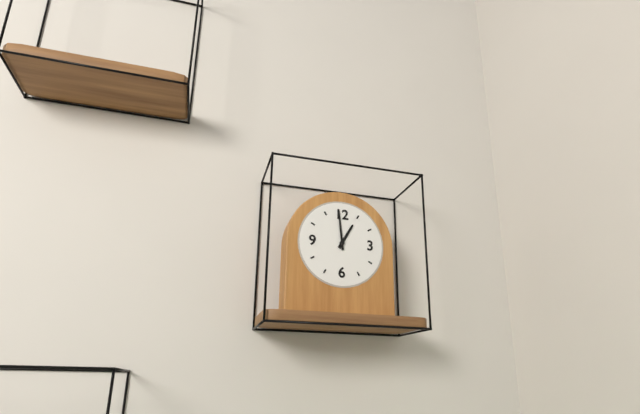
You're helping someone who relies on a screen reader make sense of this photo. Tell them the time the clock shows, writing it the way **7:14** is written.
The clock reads **12:59**
